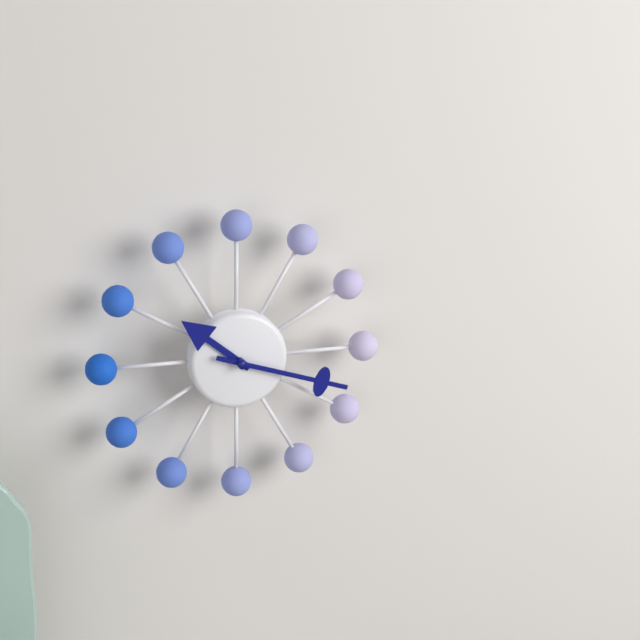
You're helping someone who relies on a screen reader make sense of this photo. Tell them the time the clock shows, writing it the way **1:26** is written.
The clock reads **10:18**
